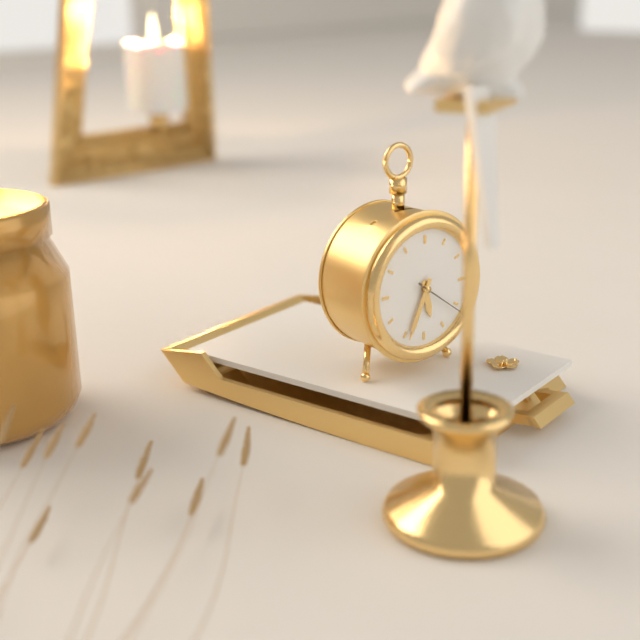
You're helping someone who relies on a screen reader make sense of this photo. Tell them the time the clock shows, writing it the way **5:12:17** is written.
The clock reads **5:34:21**
